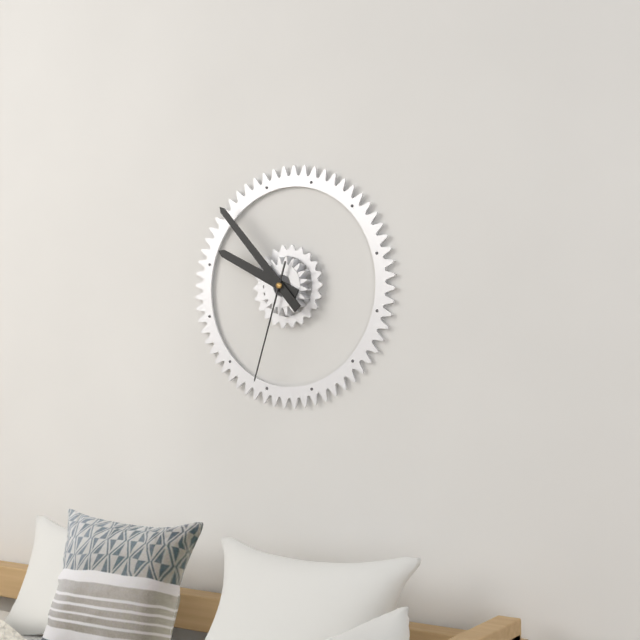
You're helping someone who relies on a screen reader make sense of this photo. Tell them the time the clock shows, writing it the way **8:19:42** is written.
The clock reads **9:53:33**
